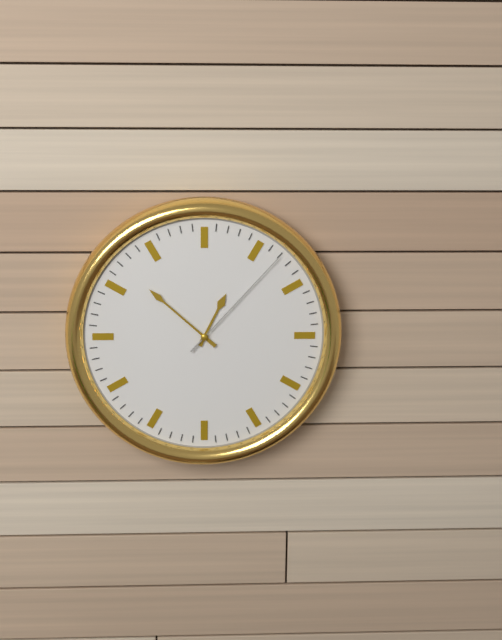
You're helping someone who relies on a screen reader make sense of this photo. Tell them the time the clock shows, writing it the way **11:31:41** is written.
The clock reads **12:52:07**
